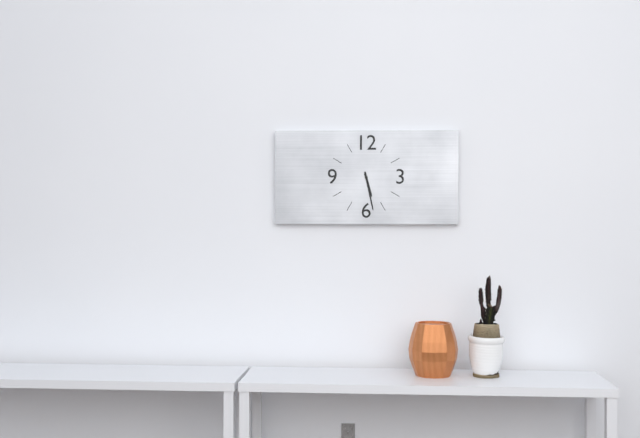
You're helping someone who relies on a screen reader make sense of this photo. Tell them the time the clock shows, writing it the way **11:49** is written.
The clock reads **5:28**
